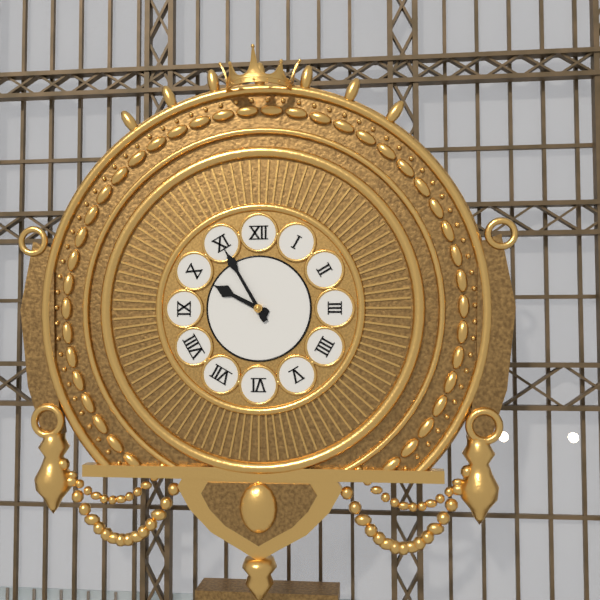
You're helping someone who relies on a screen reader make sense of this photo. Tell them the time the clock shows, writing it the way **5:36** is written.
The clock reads **9:55**
